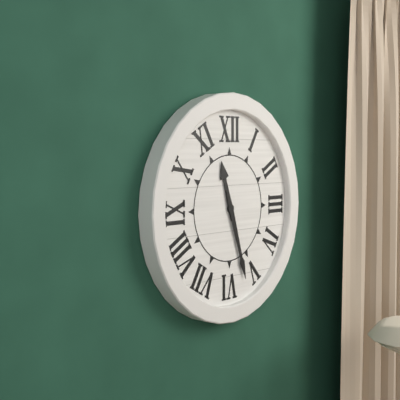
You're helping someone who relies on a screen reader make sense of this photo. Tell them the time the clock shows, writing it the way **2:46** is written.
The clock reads **11:27**
